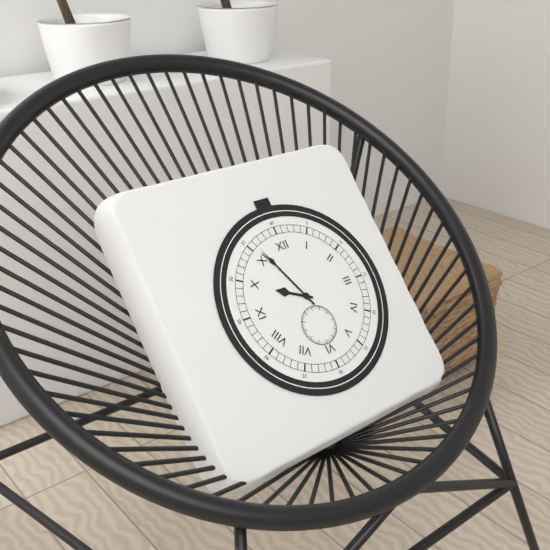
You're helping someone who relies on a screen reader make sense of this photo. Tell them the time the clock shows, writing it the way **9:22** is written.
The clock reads **9:56**
